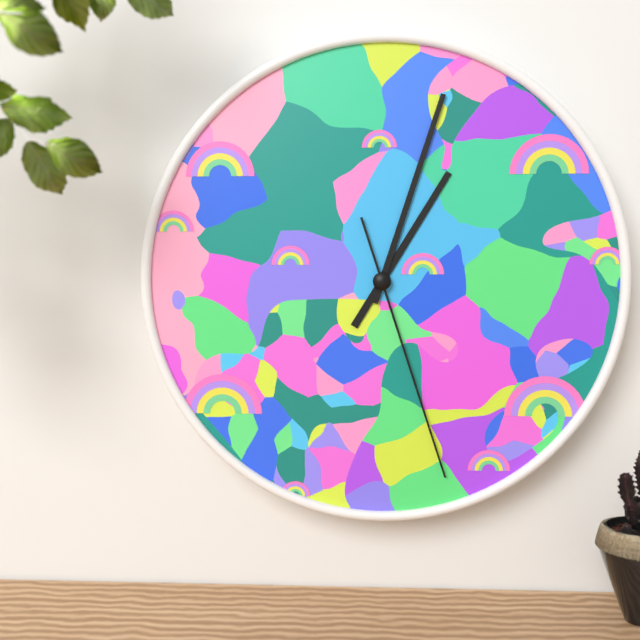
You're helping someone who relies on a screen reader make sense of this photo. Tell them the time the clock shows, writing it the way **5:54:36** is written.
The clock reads **1:03:27**
